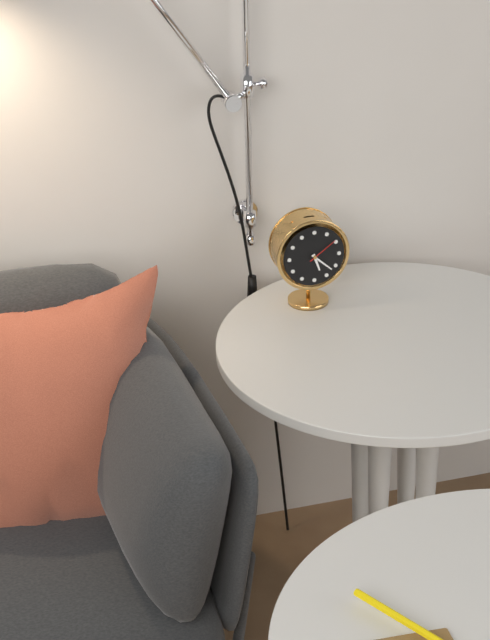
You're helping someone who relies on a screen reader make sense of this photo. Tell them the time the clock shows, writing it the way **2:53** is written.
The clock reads **5:22**
